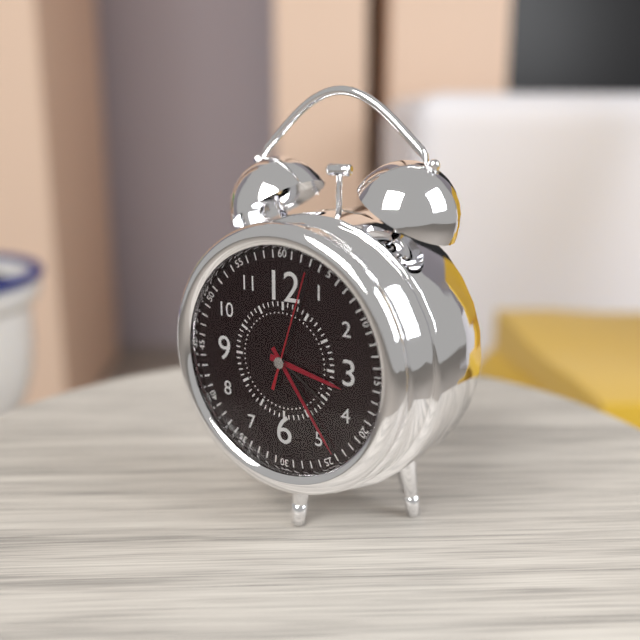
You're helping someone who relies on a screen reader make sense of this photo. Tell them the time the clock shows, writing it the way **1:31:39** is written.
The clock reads **3:24:03**
